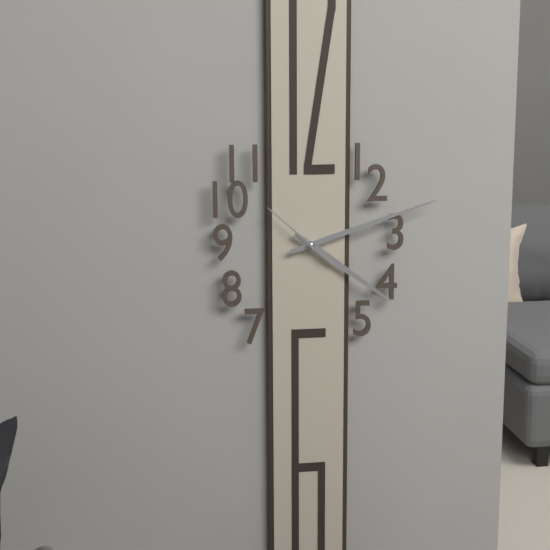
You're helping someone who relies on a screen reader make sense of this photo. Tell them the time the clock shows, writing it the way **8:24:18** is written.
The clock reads **4:12:52**
